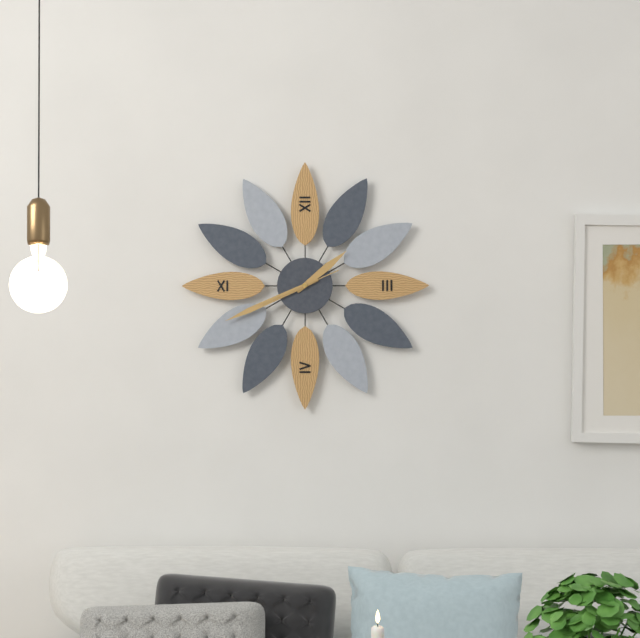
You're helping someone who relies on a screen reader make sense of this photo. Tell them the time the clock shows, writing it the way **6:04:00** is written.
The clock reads **1:41:41**
